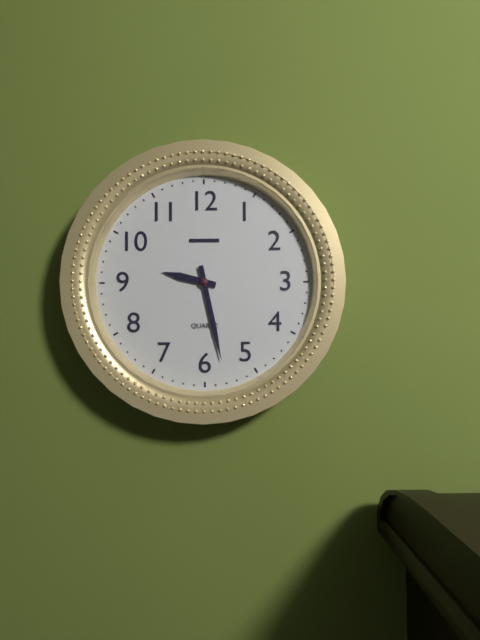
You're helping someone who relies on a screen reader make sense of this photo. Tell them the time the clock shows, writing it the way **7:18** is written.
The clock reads **9:28**
